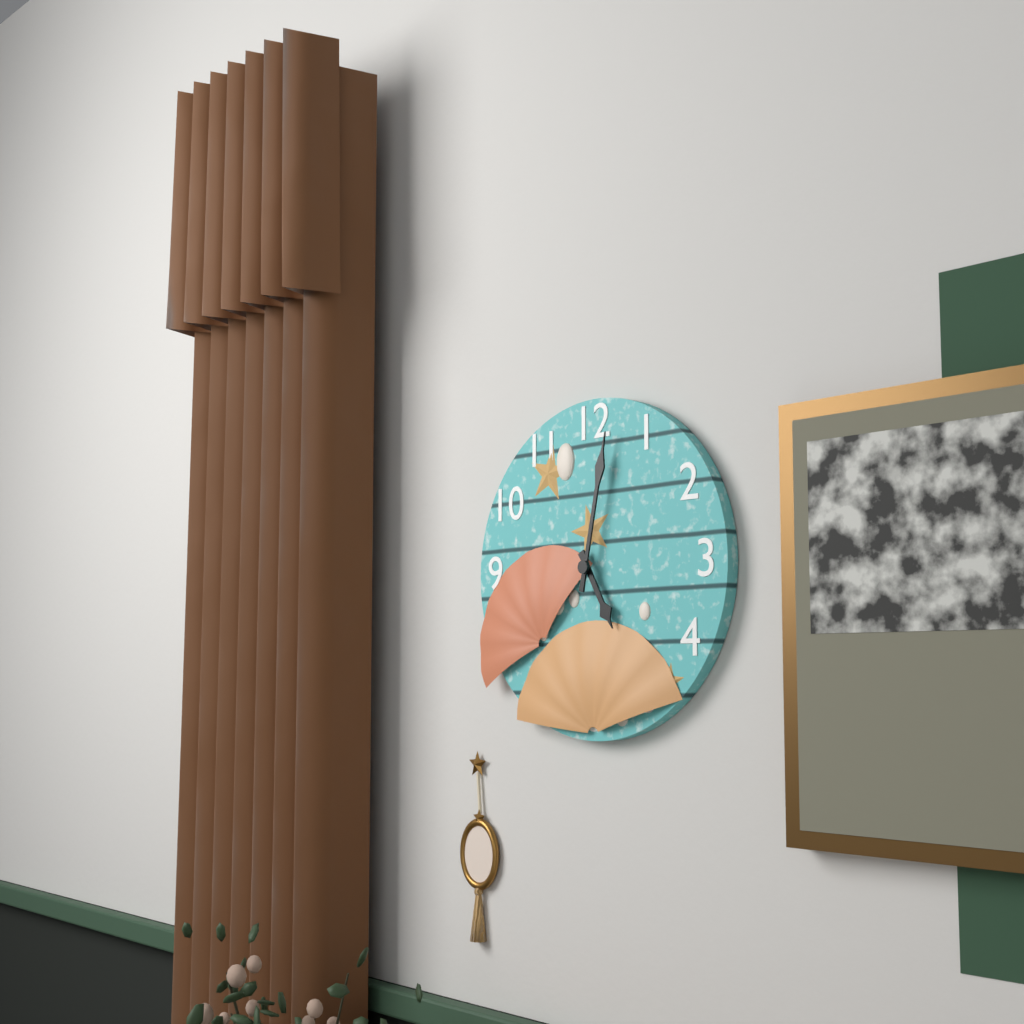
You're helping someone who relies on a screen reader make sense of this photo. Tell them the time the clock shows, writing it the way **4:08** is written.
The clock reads **5:02**
